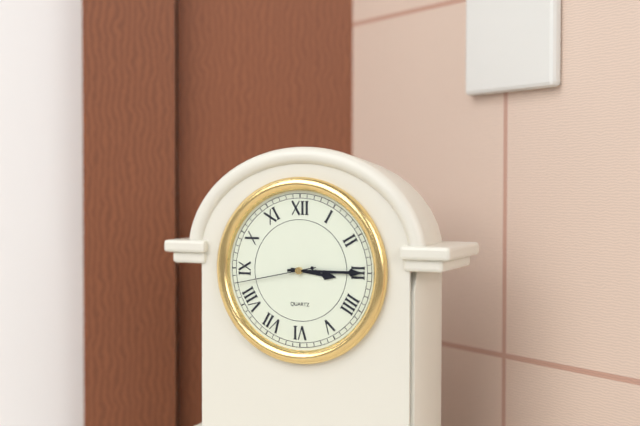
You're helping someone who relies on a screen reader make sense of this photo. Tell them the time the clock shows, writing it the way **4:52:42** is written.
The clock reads **3:15:43**
